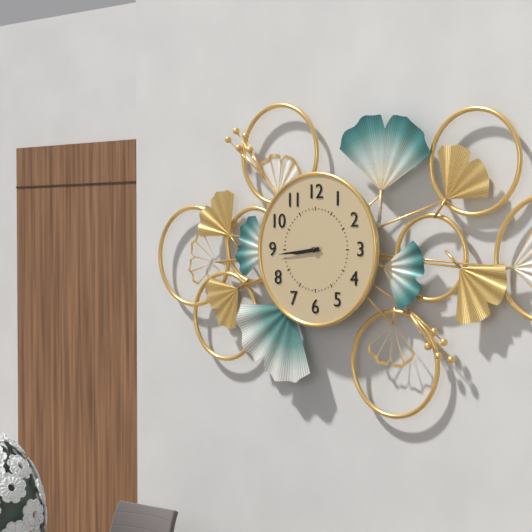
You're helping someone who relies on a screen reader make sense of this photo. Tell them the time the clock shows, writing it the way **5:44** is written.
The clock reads **8:44**
